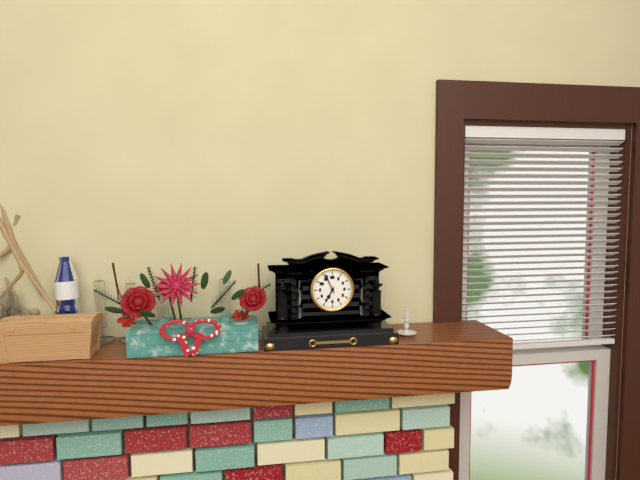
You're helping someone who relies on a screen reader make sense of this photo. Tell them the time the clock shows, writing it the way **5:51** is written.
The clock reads **6:56**
